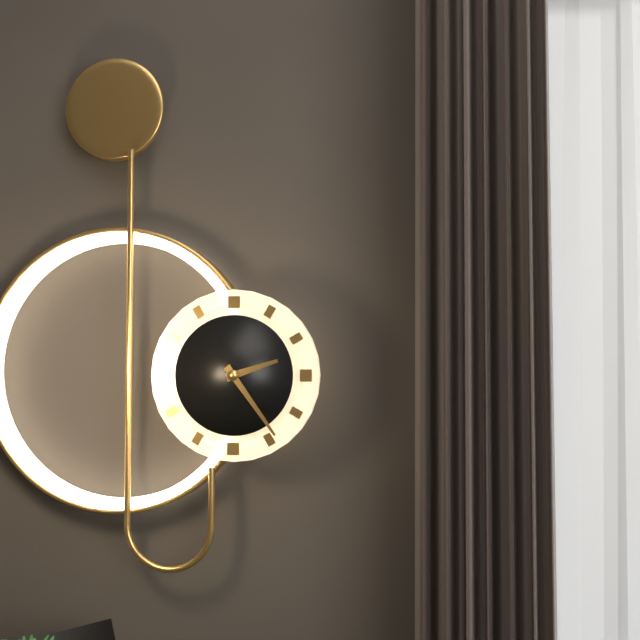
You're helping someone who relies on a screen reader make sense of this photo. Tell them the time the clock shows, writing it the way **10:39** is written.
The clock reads **2:24**
